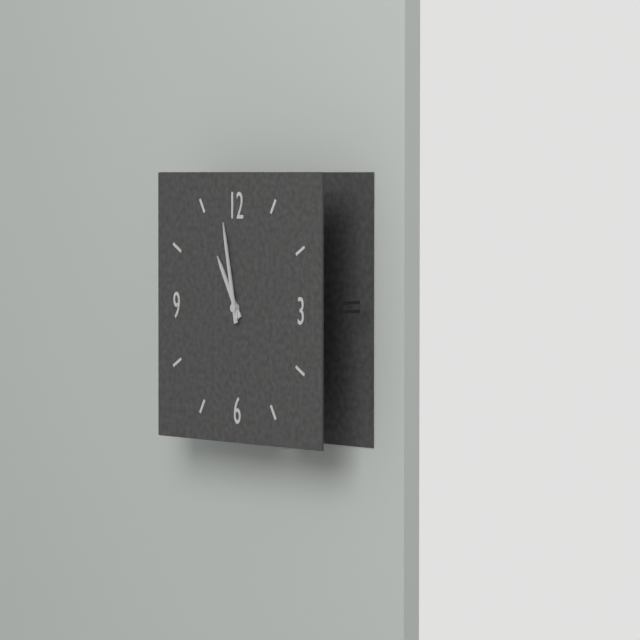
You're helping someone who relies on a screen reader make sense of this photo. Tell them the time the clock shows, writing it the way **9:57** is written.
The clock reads **10:58**
